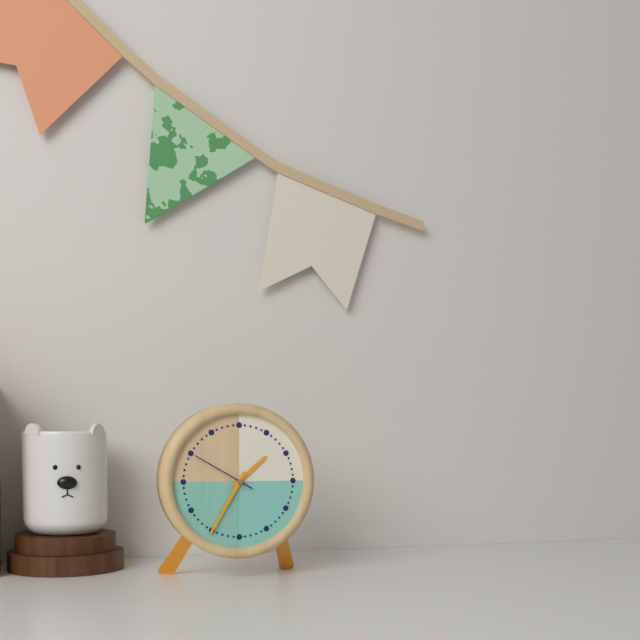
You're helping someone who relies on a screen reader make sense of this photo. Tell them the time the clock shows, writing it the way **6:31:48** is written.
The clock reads **1:35:50**
